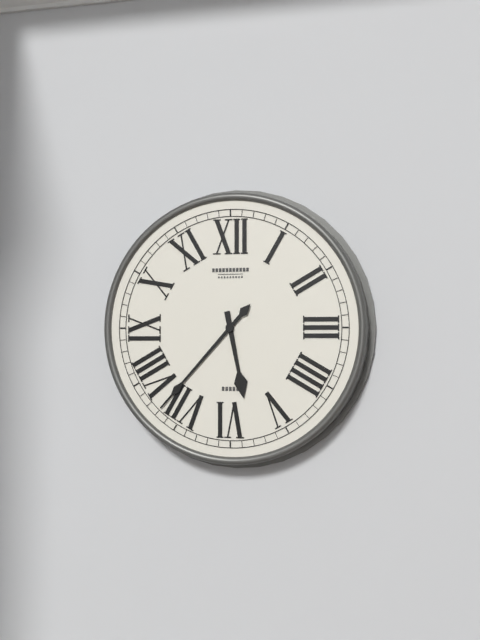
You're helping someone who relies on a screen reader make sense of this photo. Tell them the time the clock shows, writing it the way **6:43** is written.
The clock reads **5:37**
